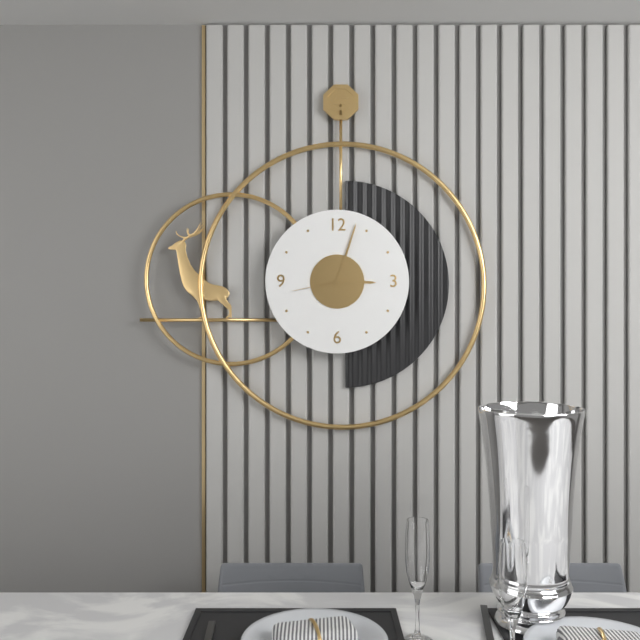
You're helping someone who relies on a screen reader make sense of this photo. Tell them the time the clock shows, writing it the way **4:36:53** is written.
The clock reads **3:03:43**
